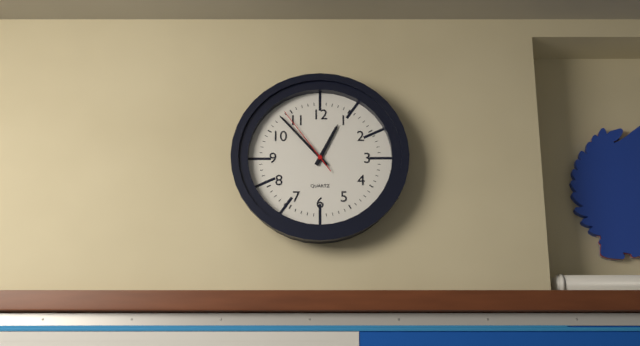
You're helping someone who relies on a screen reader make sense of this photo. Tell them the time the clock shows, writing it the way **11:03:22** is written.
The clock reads **12:53:54**
